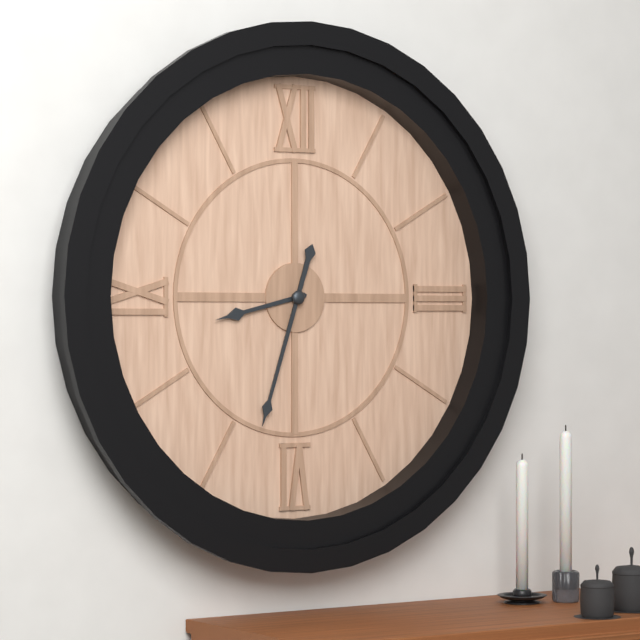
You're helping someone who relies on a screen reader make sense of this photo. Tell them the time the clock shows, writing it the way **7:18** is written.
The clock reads **8:33**
